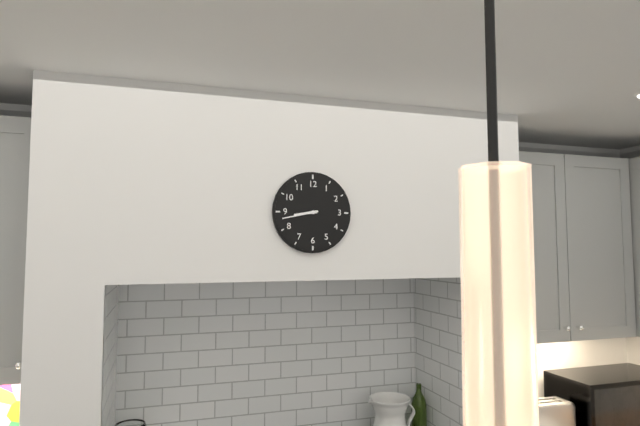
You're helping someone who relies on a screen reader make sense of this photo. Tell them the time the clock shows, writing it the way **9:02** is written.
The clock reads **8:43**
